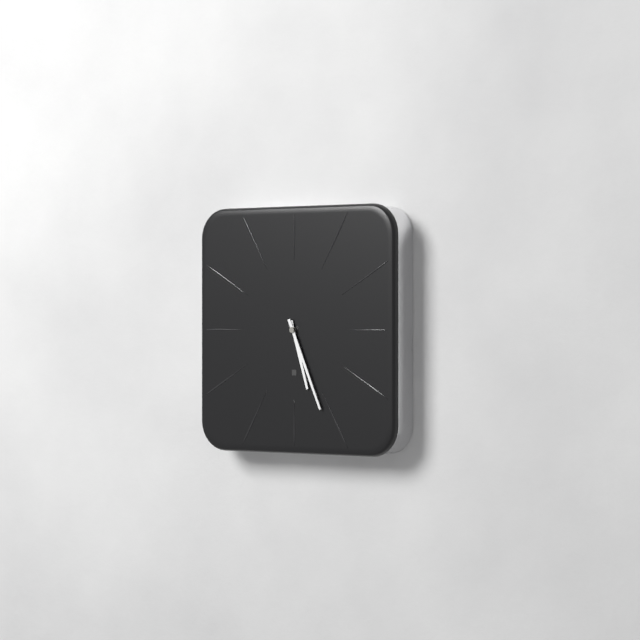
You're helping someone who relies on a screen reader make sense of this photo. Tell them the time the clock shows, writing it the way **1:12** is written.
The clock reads **5:26**
